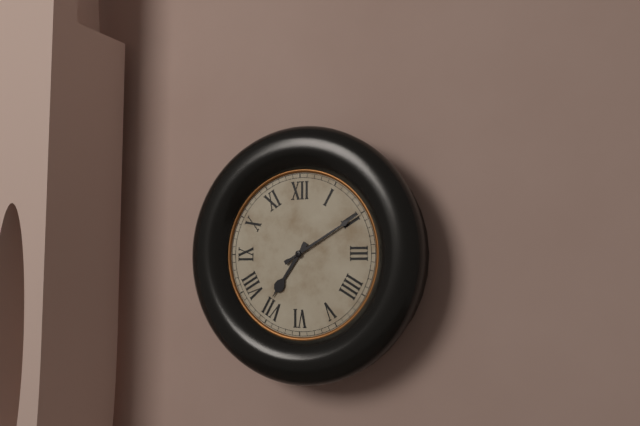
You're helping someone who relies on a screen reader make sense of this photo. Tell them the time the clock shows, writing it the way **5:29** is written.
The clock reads **7:10**
